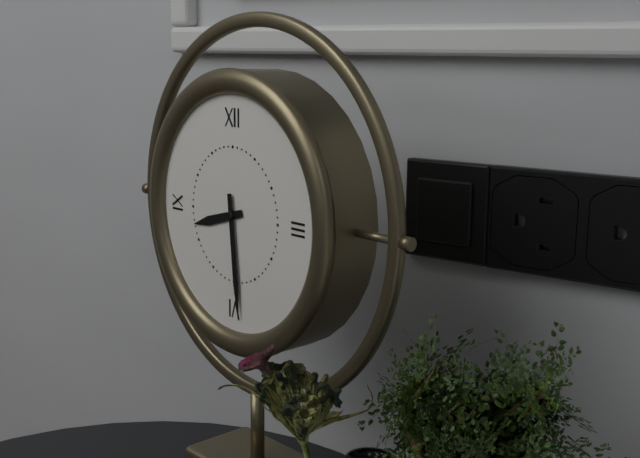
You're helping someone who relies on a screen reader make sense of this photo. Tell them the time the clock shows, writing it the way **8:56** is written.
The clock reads **8:29**
